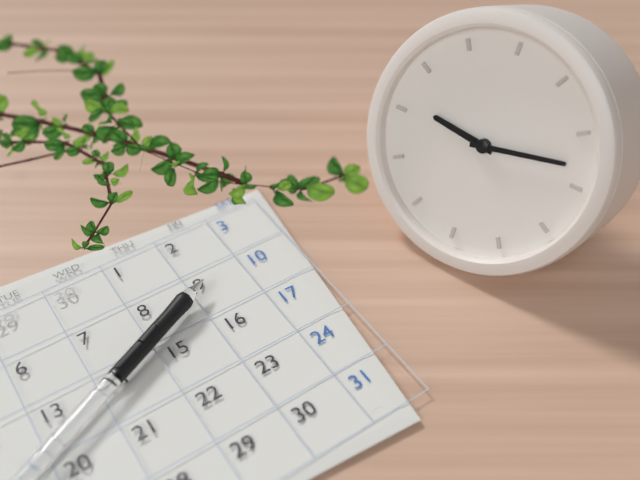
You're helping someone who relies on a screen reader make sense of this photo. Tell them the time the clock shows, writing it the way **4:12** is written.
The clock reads **9:13**
